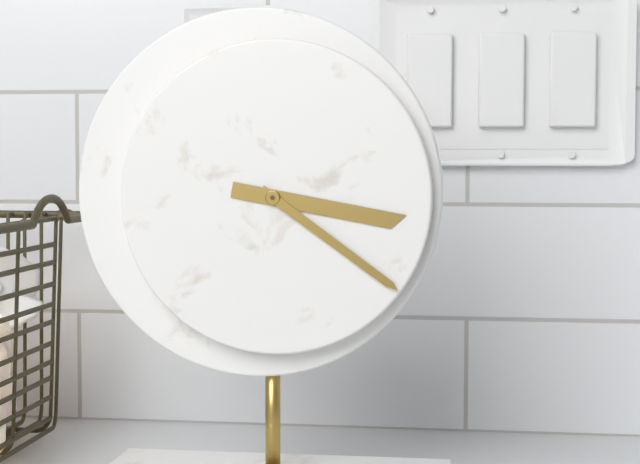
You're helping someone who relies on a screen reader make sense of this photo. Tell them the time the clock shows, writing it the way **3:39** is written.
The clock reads **3:21**
